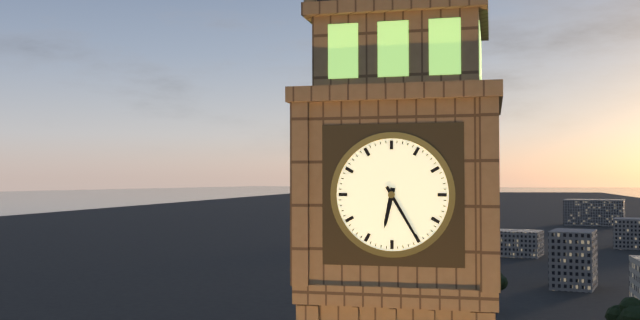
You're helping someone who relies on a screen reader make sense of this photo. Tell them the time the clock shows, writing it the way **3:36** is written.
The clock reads **6:25**
